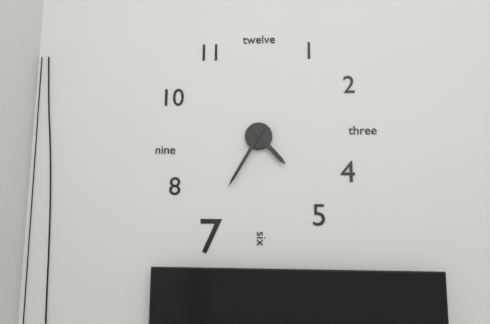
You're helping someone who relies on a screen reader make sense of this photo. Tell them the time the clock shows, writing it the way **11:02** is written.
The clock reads **4:35**
